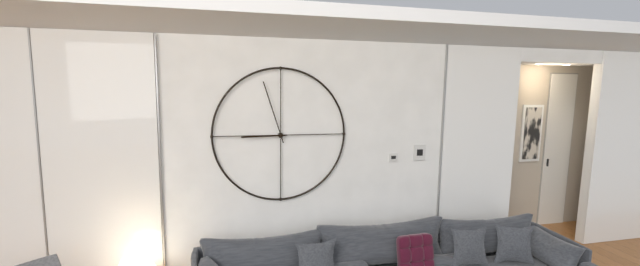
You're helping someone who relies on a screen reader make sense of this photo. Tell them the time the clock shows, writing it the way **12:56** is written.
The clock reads **8:57**
